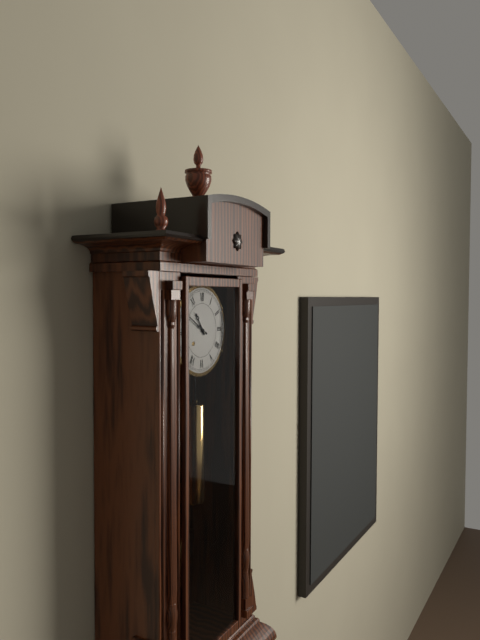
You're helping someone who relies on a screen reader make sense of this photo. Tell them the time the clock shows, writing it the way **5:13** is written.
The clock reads **10:50**
